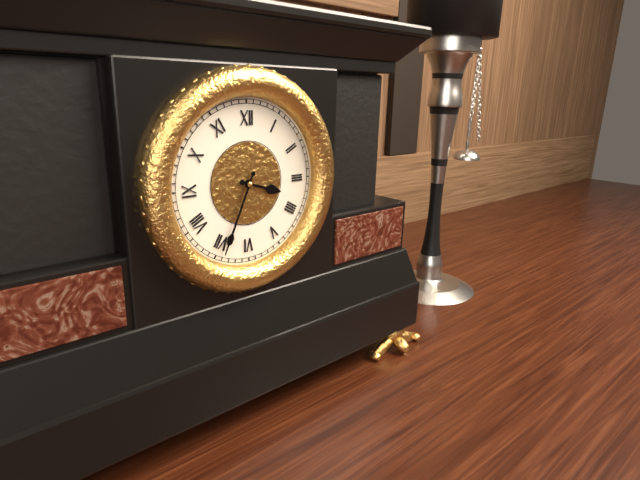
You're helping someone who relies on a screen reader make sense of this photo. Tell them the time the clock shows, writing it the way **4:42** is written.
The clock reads **3:34**
